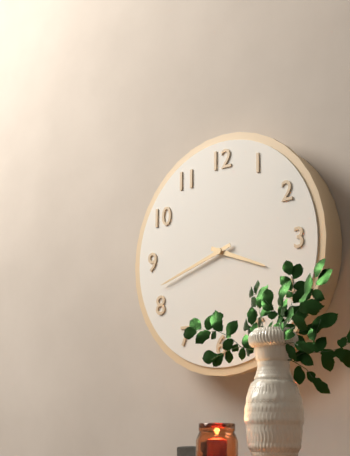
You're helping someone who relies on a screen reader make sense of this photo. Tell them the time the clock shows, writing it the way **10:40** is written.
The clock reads **3:42**
